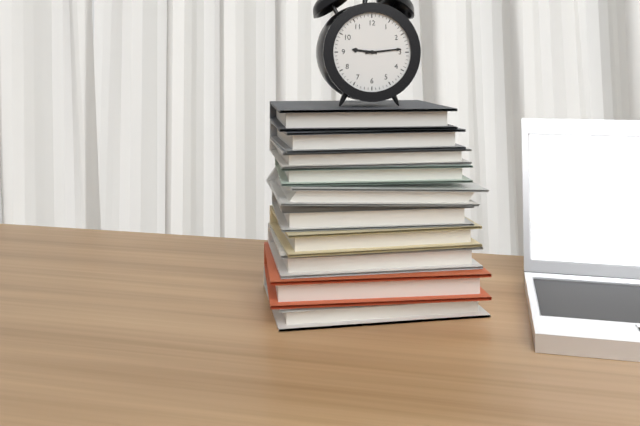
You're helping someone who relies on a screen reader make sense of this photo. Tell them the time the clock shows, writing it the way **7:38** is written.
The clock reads **9:14**
